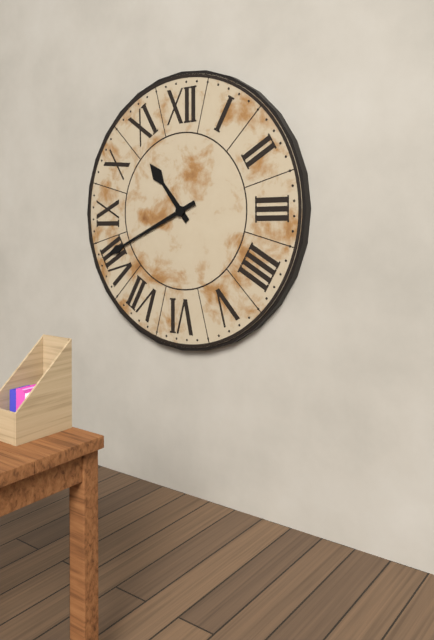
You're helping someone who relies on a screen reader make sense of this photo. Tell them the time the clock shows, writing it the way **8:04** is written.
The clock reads **10:41**
